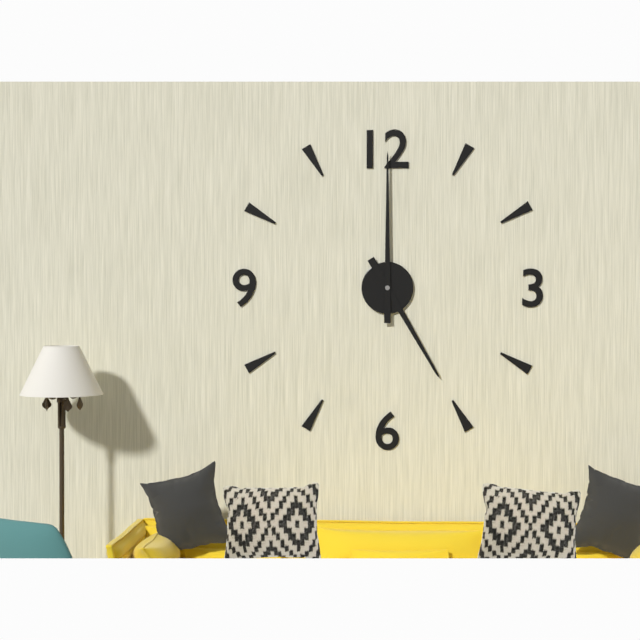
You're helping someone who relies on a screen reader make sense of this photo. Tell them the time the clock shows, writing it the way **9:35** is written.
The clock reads **5:00**
